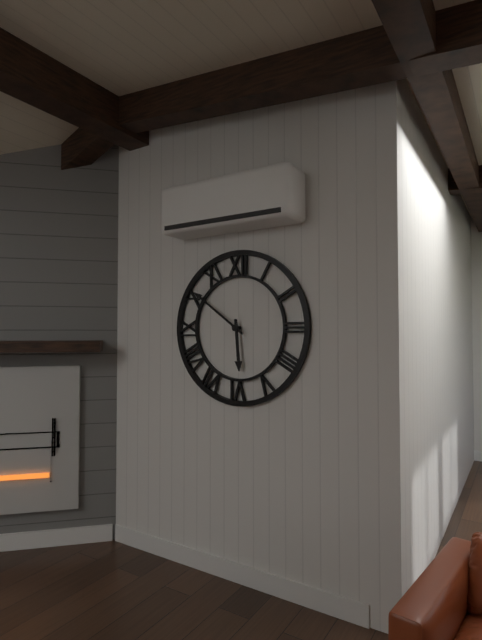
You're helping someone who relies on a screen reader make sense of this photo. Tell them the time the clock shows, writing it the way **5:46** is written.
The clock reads **5:51**
